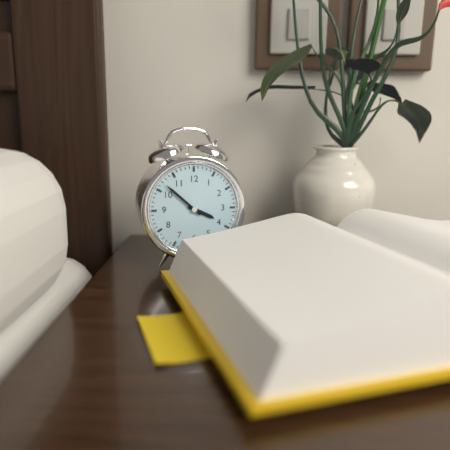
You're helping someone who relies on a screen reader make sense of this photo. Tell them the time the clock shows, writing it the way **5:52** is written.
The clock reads **3:52**
